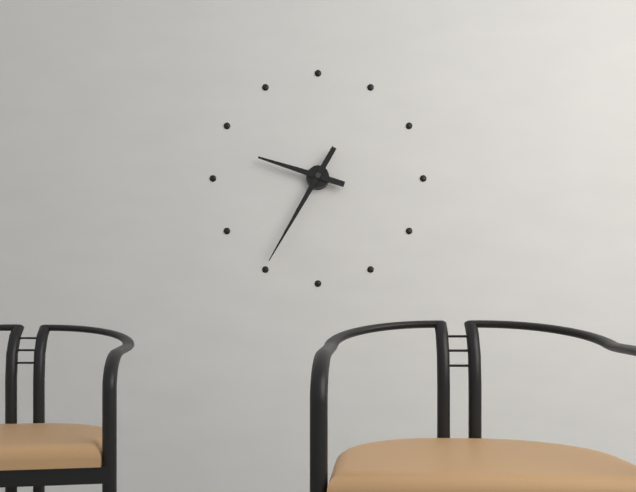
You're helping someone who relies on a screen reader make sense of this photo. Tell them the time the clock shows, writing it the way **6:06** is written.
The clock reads **9:35**
